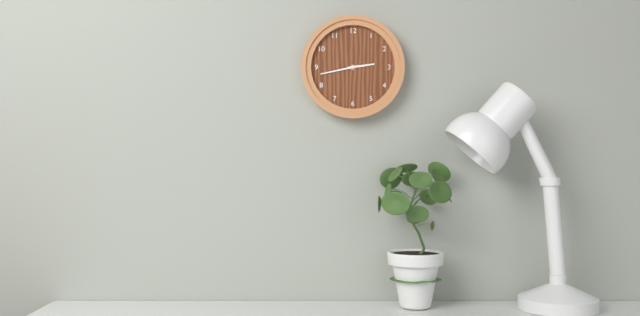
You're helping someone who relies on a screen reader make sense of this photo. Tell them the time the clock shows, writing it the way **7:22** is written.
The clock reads **2:43**
